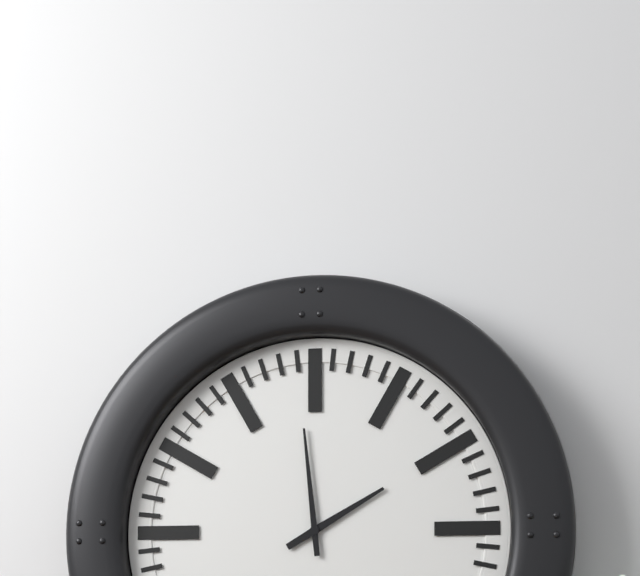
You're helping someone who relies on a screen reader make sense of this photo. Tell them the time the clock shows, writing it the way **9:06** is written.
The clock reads **1:59**
